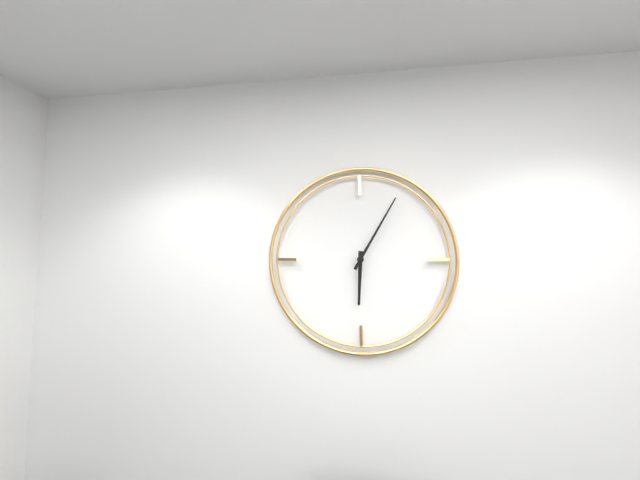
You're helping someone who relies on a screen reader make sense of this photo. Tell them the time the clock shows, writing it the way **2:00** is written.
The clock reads **6:05**
